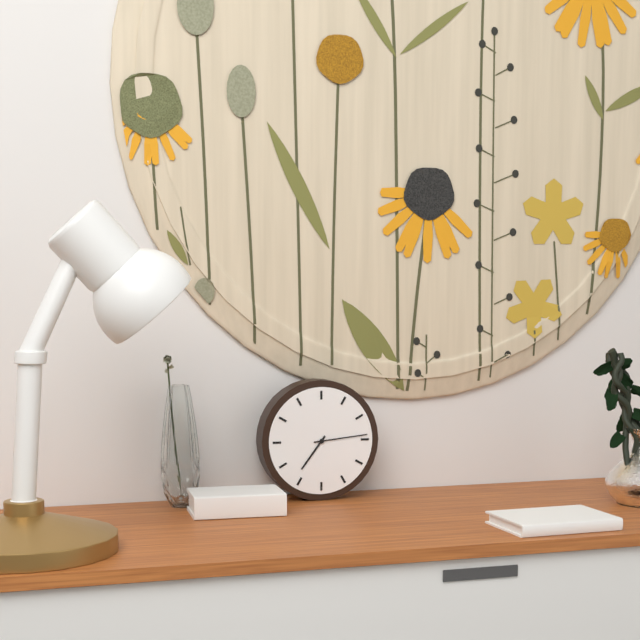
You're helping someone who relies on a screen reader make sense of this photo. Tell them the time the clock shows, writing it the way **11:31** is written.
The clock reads **7:14**
